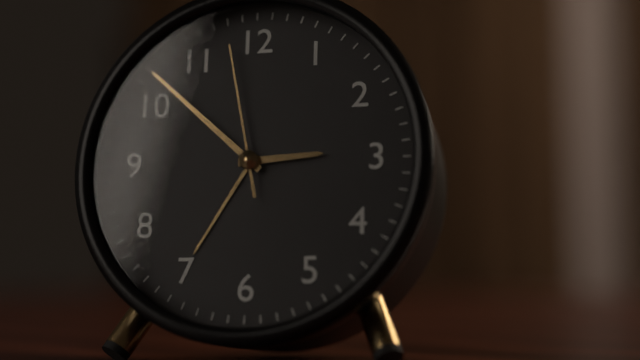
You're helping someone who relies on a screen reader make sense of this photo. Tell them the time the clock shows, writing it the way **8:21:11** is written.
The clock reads **2:52:58**
